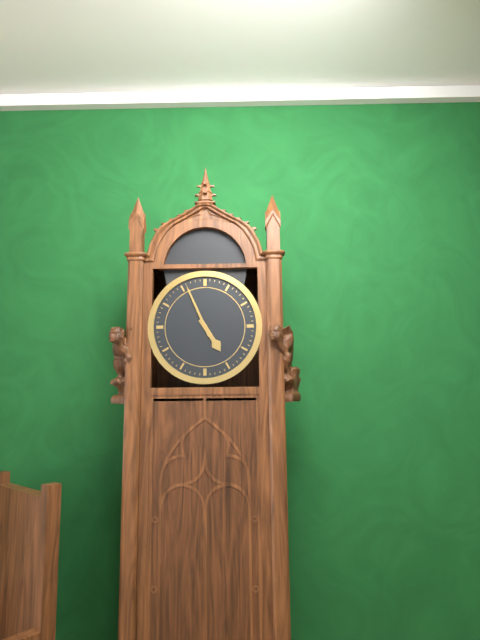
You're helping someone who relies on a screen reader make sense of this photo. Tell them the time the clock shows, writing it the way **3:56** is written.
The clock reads **4:56**
